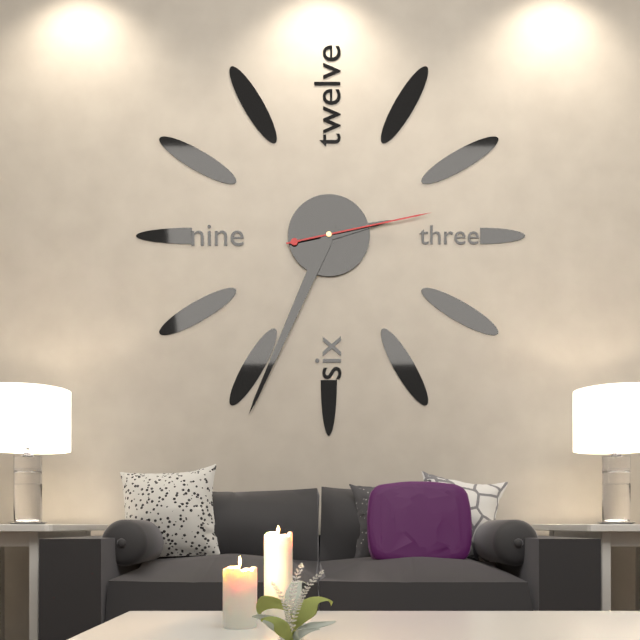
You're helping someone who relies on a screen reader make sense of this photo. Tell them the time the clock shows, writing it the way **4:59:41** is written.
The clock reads **2:34:13**
